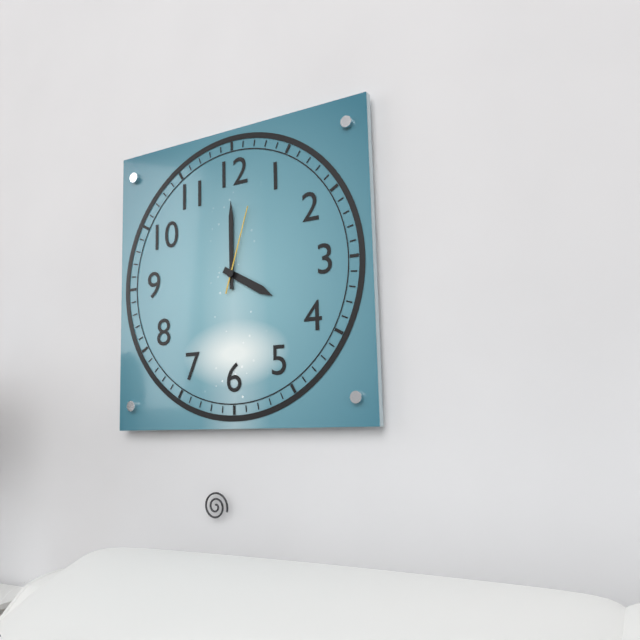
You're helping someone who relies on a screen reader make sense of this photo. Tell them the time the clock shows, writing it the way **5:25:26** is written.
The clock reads **4:00:03**
